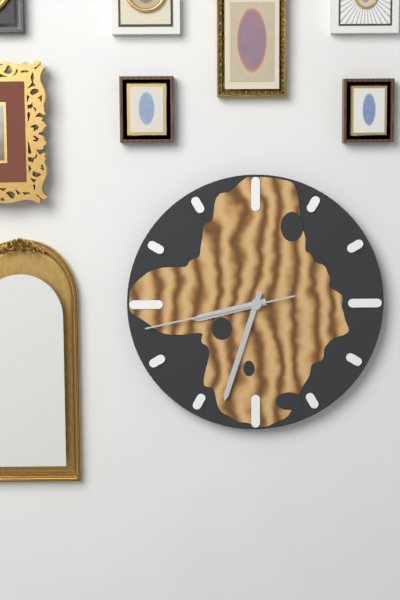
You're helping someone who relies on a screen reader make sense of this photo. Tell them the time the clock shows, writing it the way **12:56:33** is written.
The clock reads **8:33:43**
